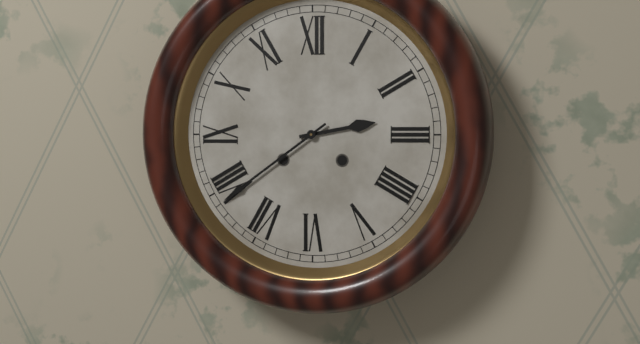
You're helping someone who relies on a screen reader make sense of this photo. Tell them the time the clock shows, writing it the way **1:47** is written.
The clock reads **2:39**
